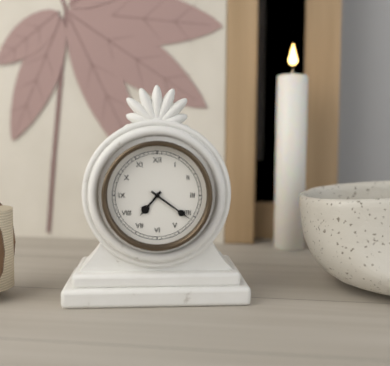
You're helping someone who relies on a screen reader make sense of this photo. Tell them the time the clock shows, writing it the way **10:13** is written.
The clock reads **7:21**
